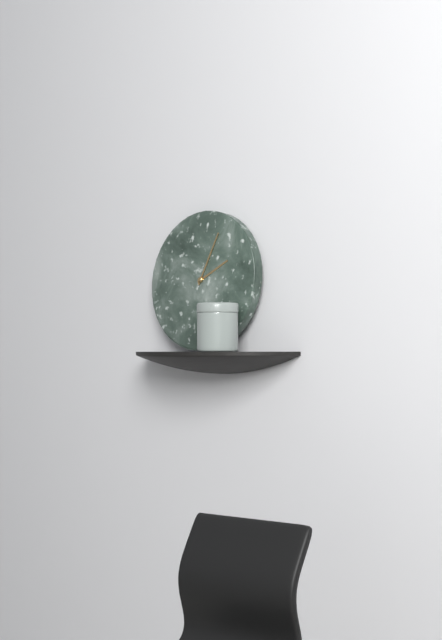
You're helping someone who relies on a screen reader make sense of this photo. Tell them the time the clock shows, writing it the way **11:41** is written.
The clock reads **2:04**
